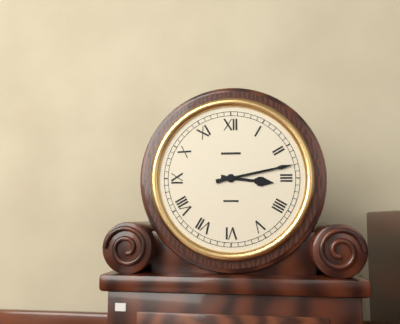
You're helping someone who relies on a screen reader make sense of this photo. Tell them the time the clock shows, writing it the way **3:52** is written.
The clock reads **3:13**
